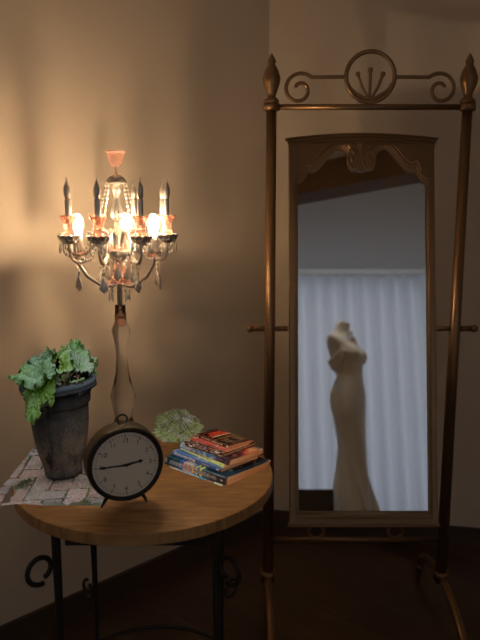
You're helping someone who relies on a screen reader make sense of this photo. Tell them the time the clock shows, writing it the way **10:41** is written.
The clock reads **2:45**
